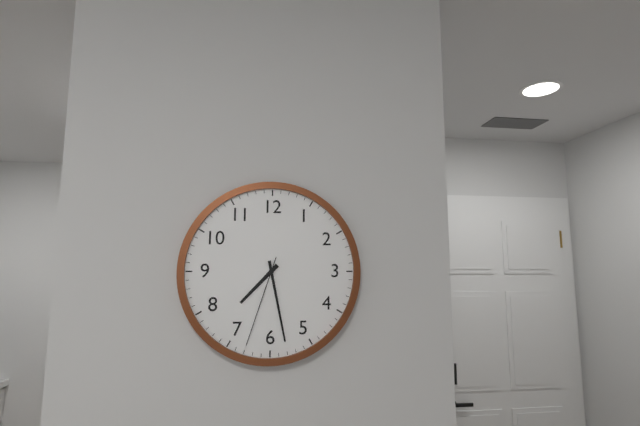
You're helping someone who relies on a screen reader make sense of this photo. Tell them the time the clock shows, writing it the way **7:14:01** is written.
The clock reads **7:28:33**
